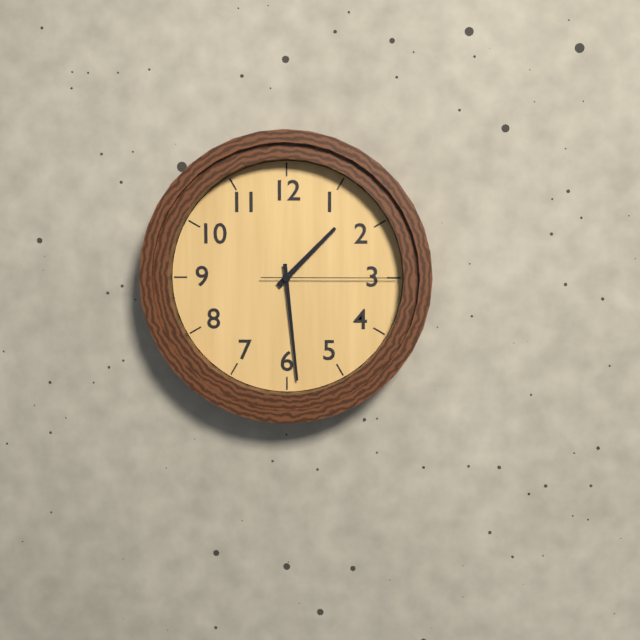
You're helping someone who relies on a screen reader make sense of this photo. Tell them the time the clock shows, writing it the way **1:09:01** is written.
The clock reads **1:29:15**
